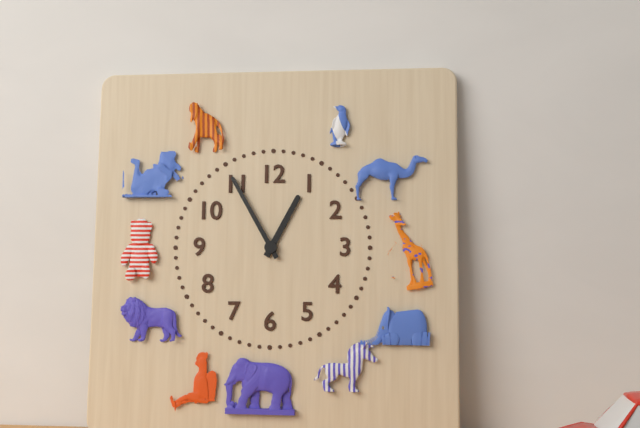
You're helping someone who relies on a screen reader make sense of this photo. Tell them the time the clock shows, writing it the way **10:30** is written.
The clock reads **12:55**
